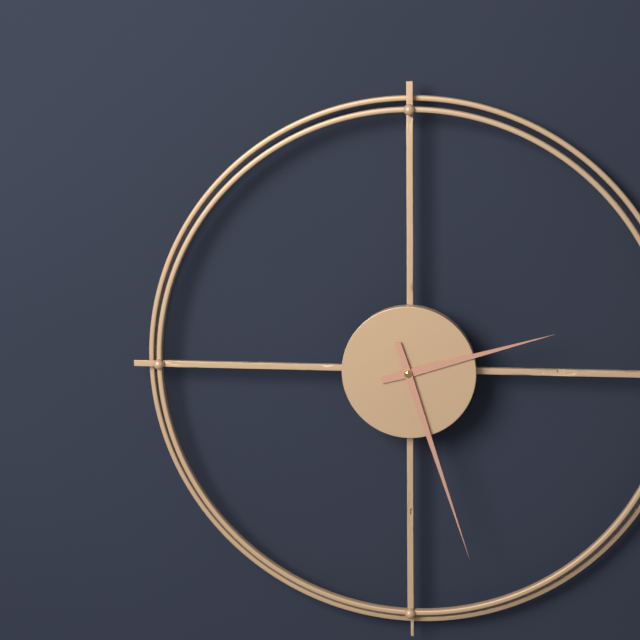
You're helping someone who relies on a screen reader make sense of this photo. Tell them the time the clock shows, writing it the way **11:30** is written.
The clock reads **2:27**
